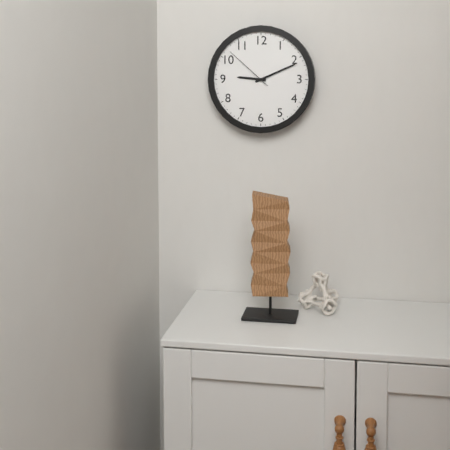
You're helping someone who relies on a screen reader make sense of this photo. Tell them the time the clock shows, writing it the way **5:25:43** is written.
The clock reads **9:11:52**
